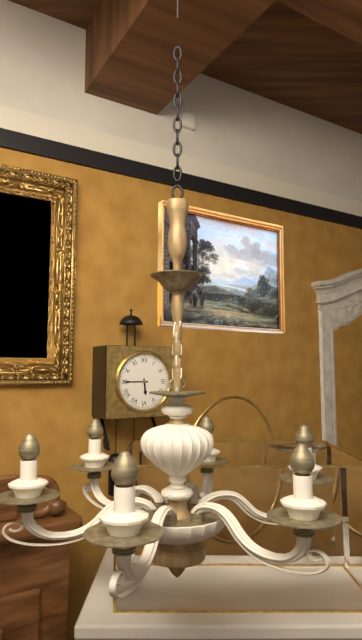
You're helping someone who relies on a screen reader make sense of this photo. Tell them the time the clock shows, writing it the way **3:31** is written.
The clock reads **5:45**
